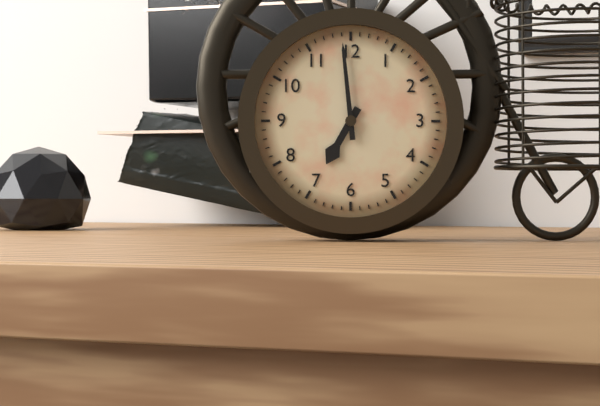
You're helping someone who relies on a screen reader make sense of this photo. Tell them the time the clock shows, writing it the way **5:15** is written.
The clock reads **6:59**
